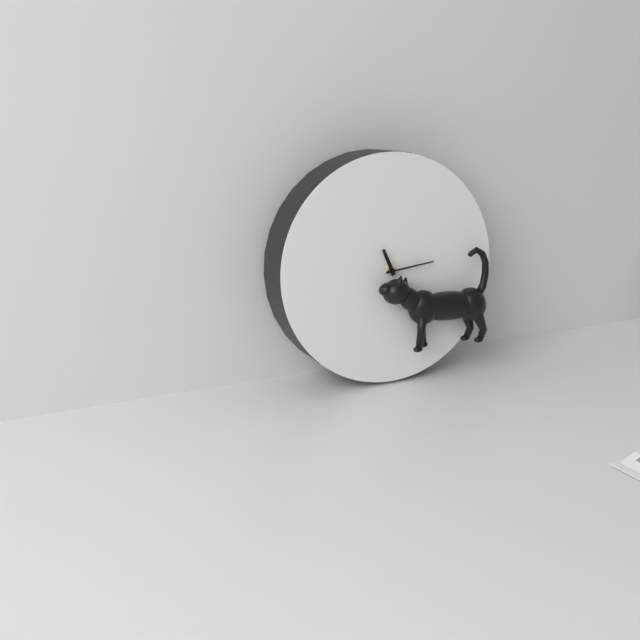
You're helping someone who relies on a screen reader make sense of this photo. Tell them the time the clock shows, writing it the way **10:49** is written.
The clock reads **11:14**
